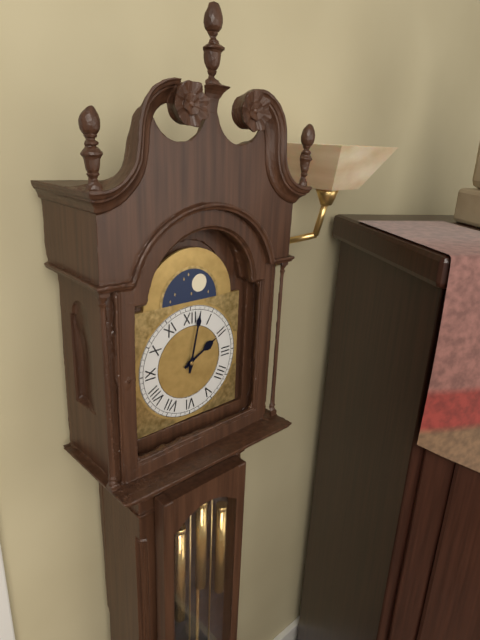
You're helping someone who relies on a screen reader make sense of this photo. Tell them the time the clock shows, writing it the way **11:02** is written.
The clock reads **2:02**
